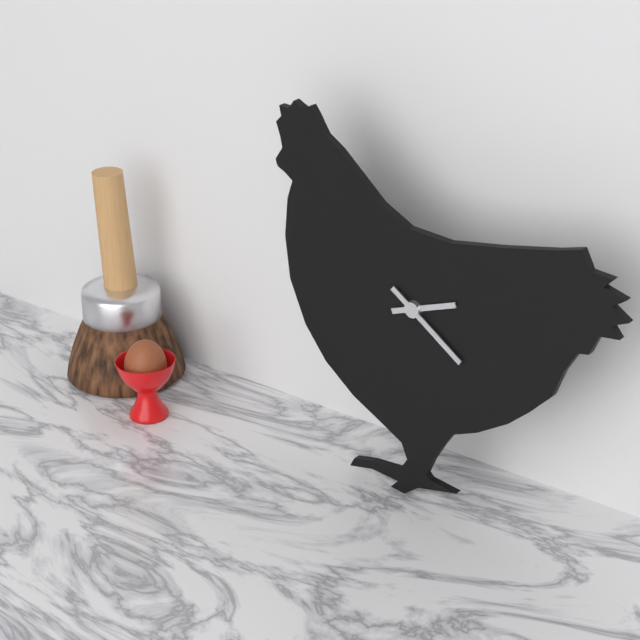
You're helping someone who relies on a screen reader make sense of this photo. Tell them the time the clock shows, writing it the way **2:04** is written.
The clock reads **2:21**
